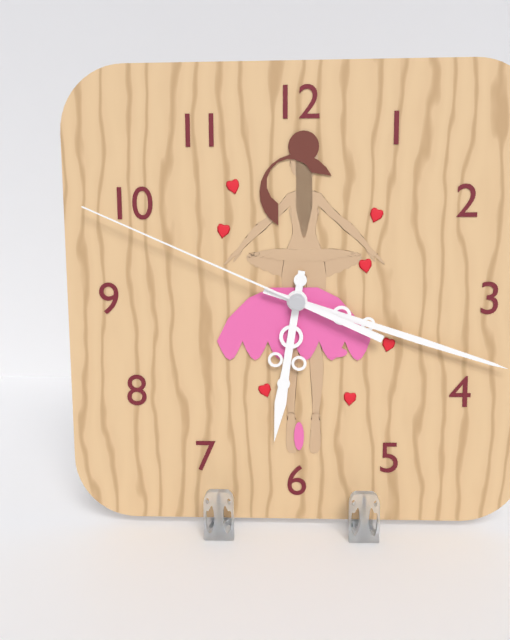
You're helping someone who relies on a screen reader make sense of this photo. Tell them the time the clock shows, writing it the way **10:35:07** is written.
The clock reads **6:18:49**
